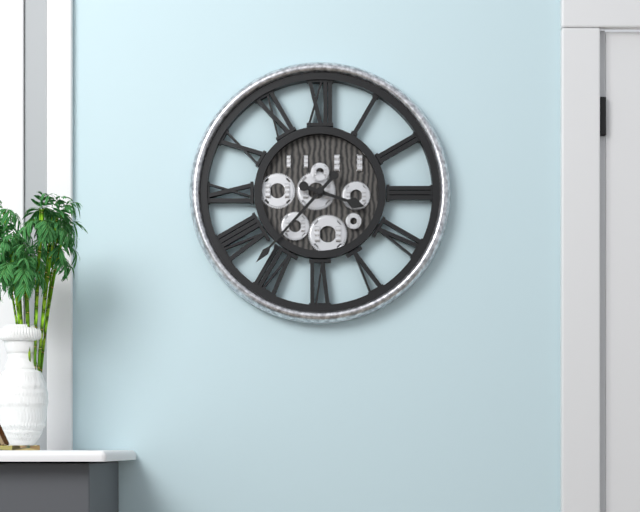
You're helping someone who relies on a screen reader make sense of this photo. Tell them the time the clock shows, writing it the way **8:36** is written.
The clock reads **3:37**
